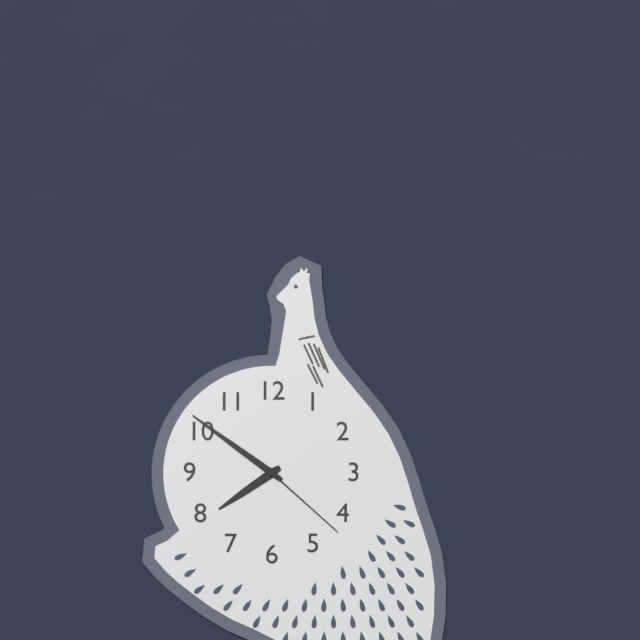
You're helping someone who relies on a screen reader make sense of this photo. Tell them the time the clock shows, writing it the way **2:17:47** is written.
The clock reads **7:51:22**
